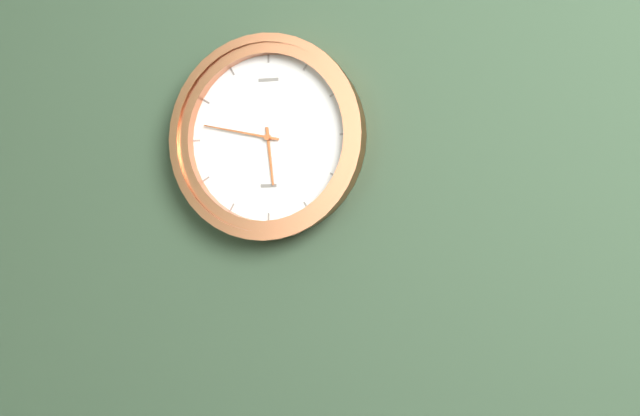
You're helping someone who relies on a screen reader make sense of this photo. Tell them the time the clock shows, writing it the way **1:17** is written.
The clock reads **5:47**
